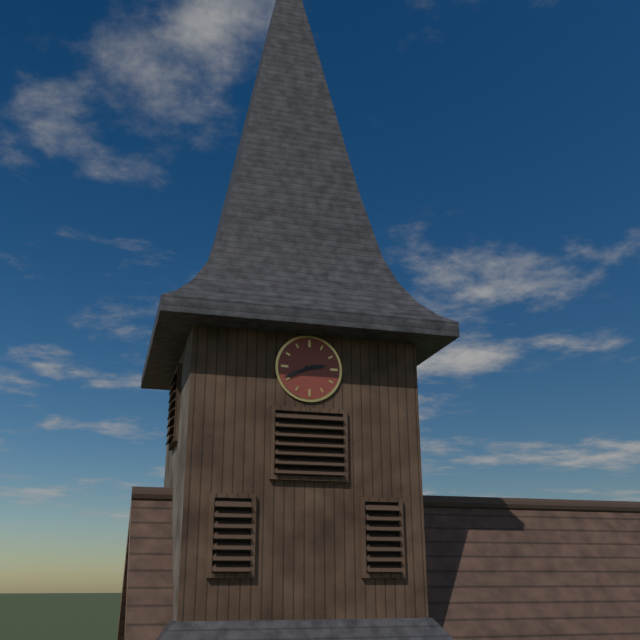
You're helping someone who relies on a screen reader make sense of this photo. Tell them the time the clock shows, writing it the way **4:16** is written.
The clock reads **2:41**
